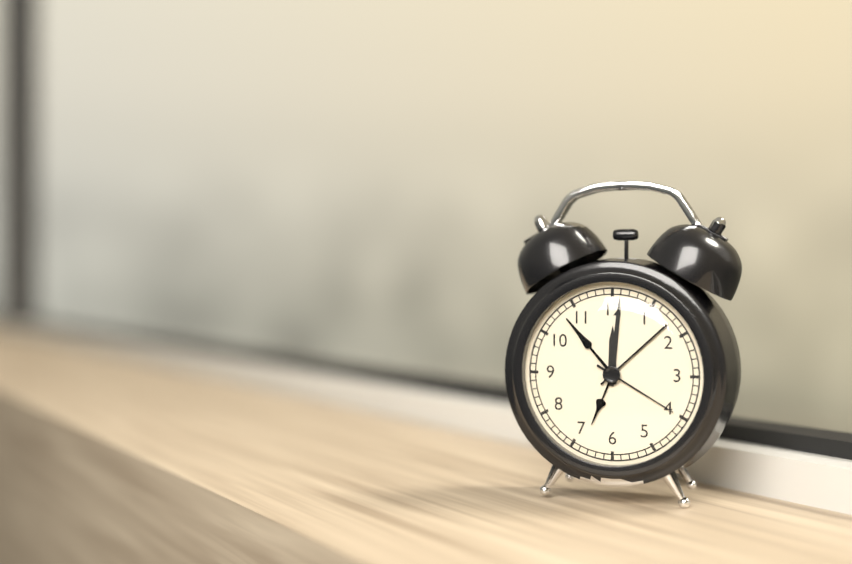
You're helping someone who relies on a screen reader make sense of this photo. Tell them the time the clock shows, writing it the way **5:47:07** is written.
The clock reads **12:01:20**
